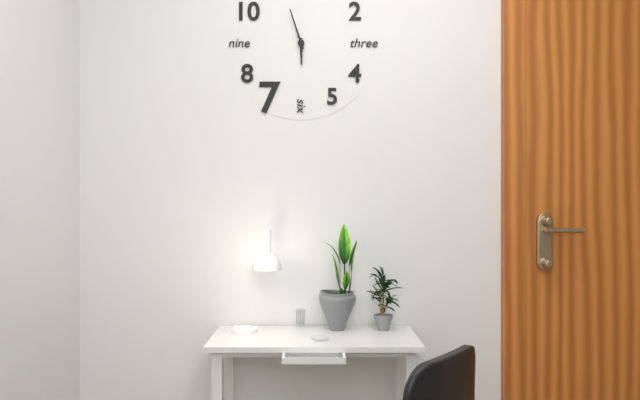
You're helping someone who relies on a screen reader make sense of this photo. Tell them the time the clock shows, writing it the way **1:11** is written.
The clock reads **5:57**
